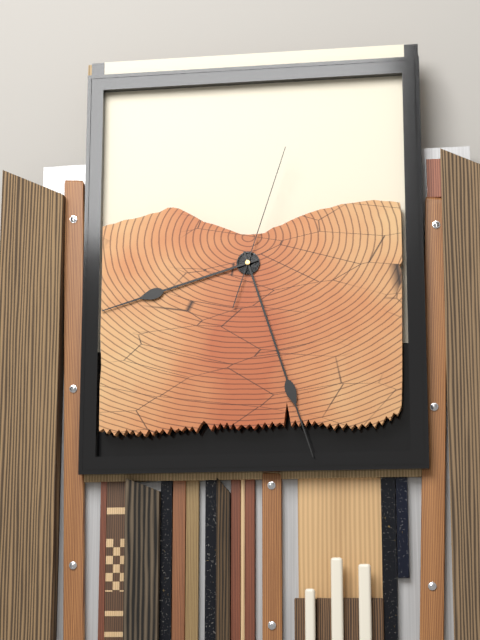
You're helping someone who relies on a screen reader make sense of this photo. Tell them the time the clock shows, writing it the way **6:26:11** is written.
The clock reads **8:27:03**
